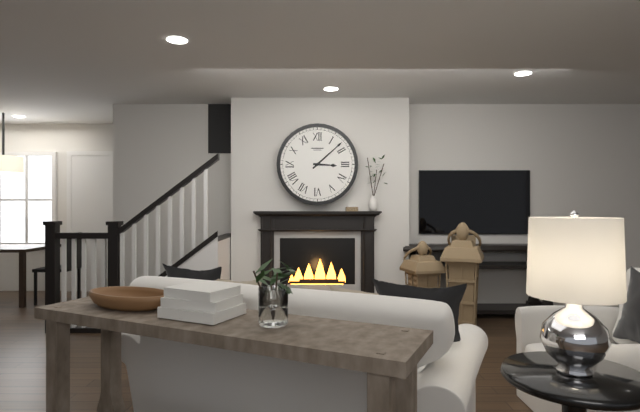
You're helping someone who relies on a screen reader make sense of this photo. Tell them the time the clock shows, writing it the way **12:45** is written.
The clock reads **3:08**
